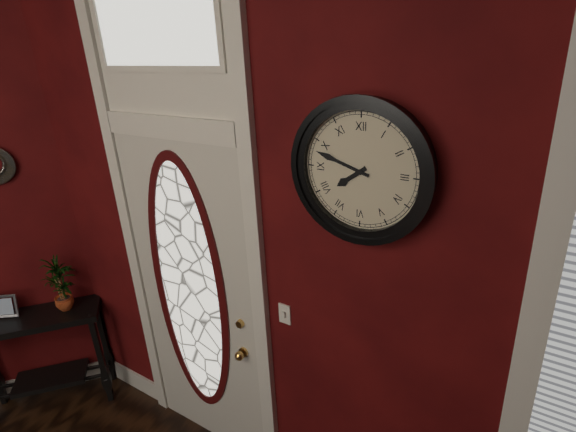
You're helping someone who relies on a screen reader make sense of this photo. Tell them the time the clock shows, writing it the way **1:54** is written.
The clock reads **7:48**
